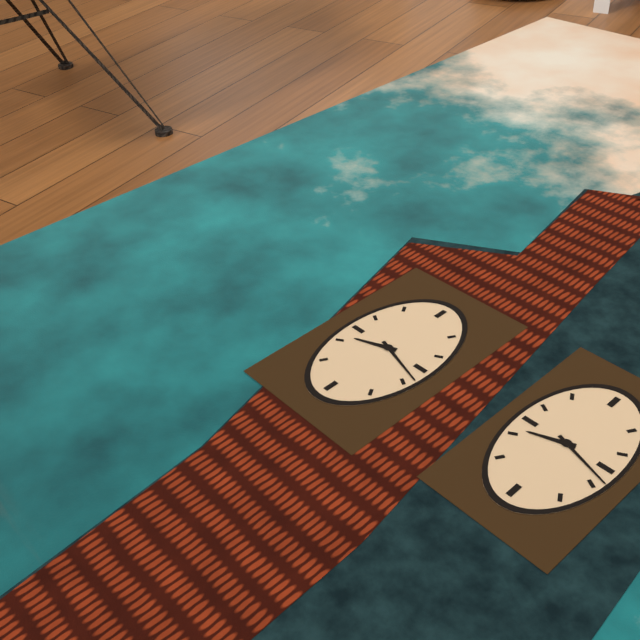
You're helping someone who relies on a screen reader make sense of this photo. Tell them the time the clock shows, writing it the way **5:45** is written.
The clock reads **8:18**
